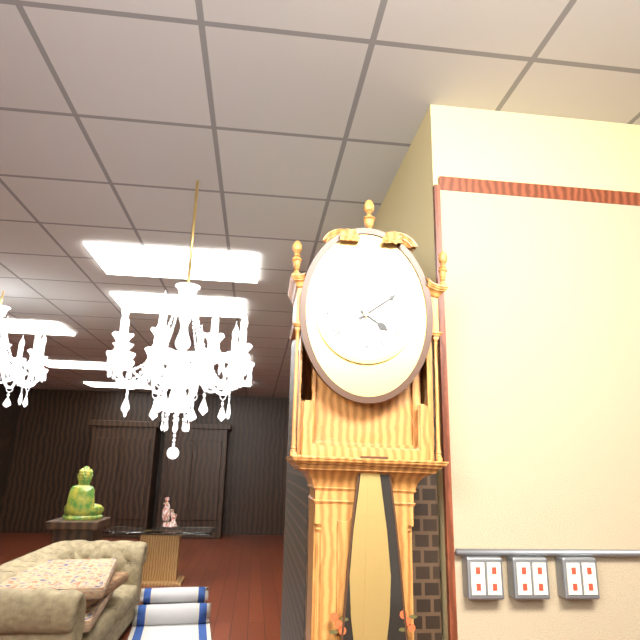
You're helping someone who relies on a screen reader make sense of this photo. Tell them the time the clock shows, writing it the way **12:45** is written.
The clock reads **4:09**
